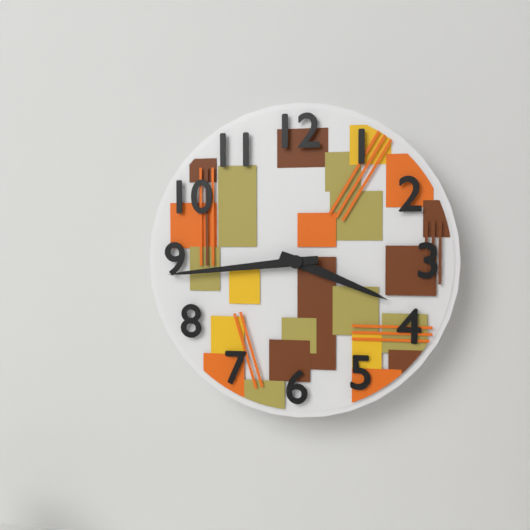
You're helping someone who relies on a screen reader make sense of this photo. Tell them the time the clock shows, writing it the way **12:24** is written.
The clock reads **3:44**
